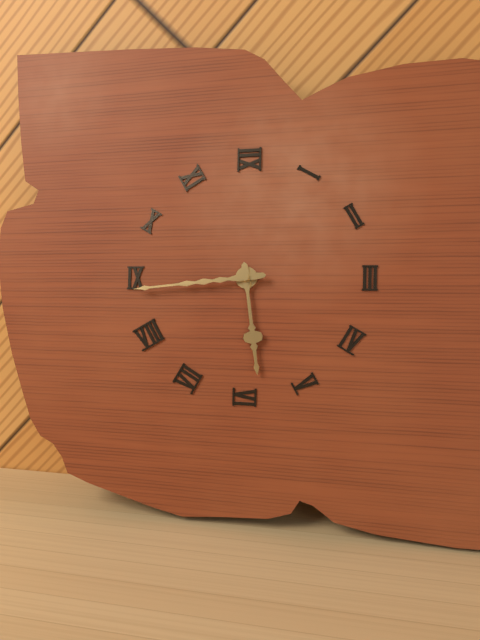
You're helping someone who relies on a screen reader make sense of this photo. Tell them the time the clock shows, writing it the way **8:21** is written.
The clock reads **5:44**
